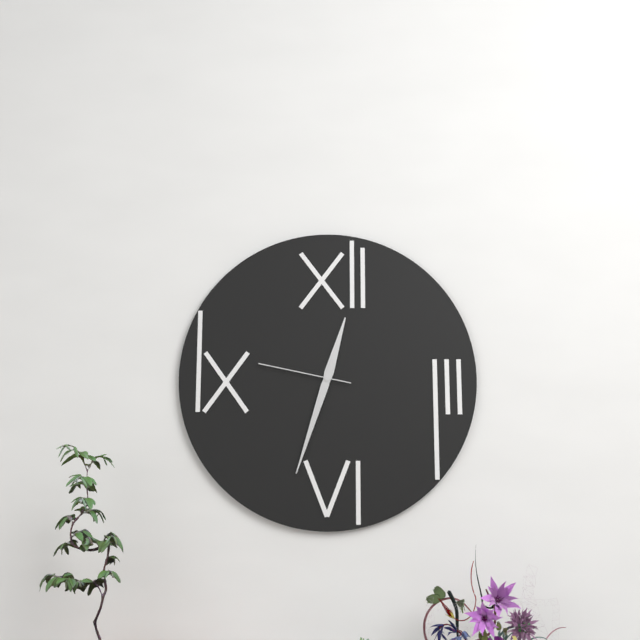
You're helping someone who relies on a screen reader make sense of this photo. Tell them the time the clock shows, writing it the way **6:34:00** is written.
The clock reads **12:33:47**
